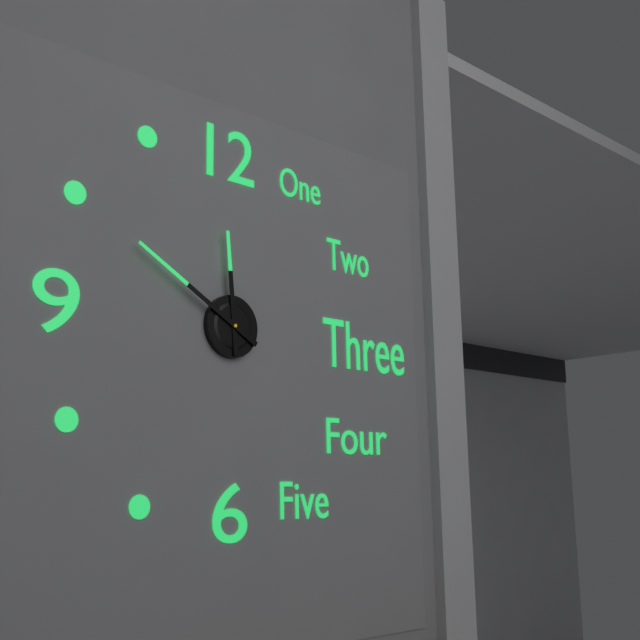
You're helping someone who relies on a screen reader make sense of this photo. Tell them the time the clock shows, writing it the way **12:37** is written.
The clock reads **11:50**
